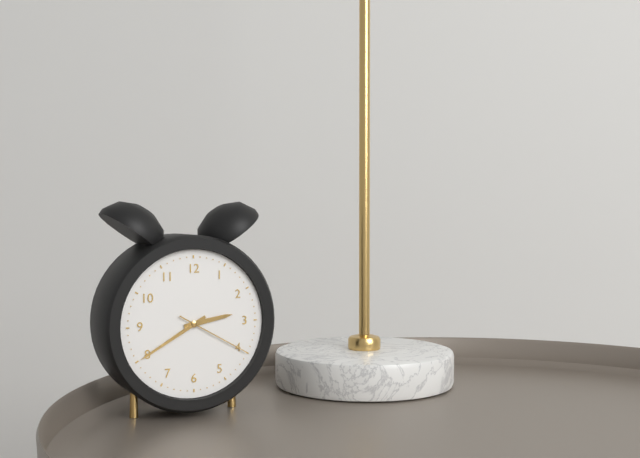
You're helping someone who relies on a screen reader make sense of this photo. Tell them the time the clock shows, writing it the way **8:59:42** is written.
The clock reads **2:40:20**
